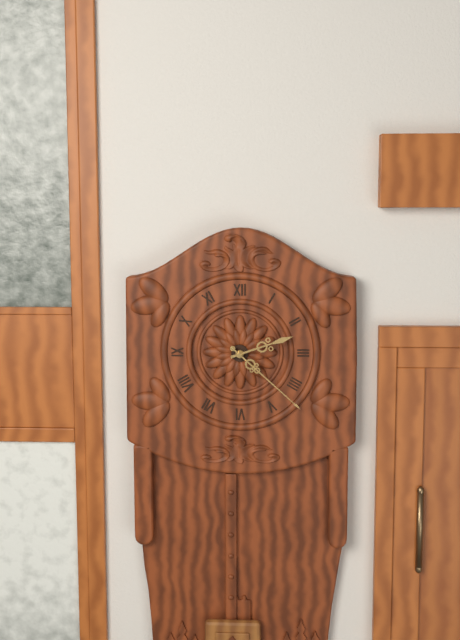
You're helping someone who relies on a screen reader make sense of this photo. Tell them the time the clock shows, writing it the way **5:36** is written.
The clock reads **2:22**
